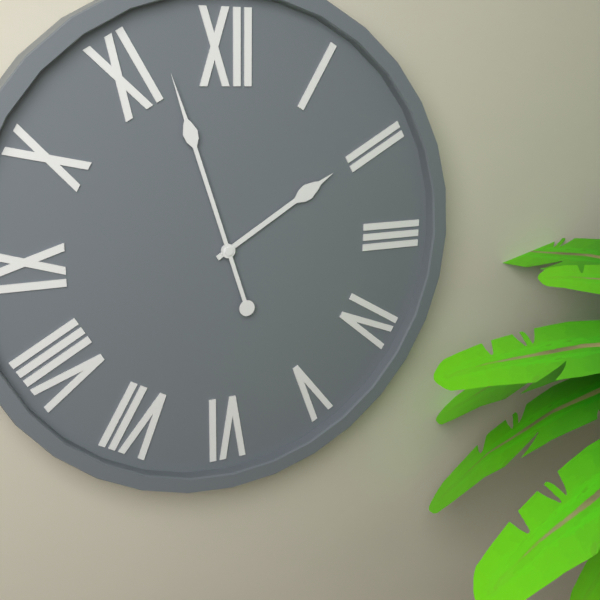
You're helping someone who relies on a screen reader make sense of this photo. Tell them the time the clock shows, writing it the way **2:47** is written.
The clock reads **1:57**
